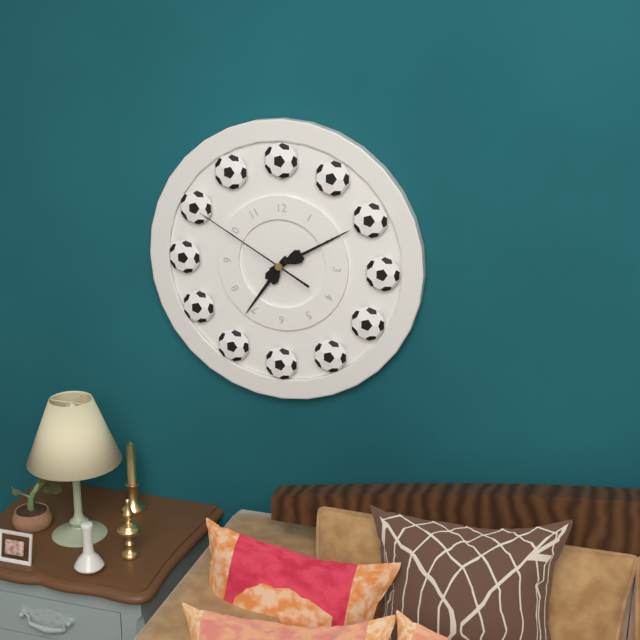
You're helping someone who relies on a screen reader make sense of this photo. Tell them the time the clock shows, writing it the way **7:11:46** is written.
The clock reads **7:10:50**
